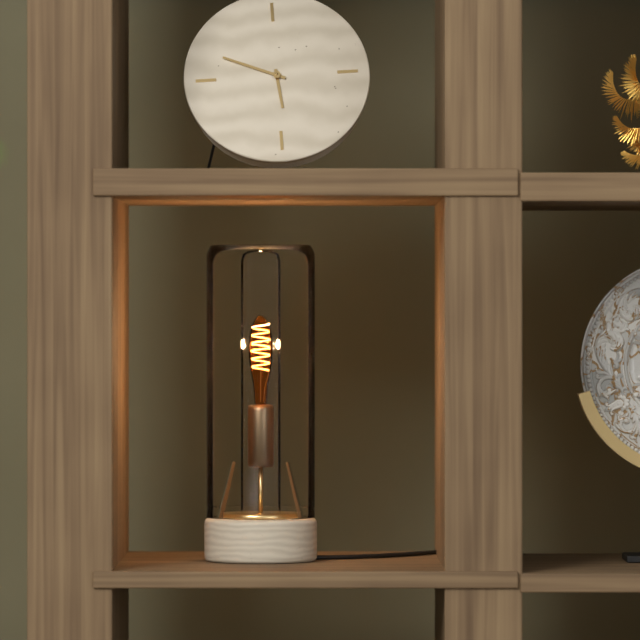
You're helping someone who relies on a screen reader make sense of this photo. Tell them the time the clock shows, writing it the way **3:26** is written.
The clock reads **5:49**
